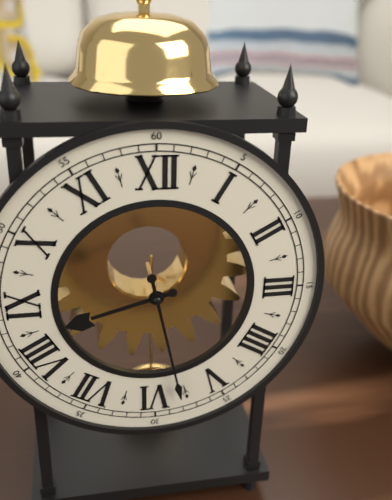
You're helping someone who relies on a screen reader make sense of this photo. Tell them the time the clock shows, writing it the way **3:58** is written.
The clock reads **8:28**
